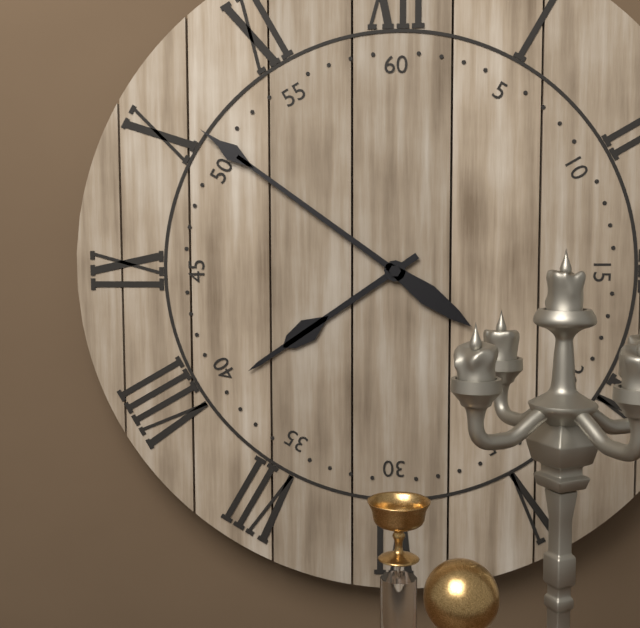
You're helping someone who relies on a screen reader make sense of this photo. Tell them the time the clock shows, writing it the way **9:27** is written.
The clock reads **7:51**
